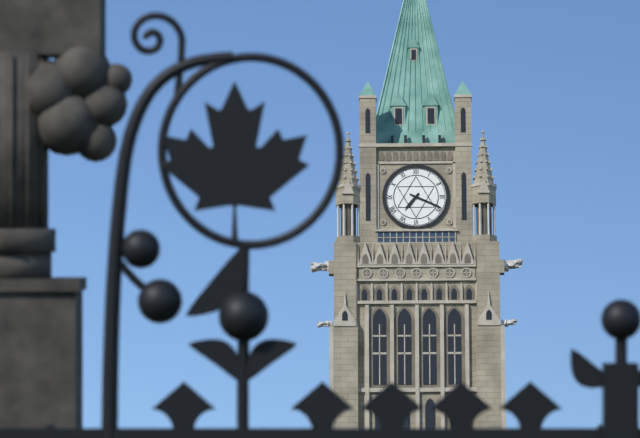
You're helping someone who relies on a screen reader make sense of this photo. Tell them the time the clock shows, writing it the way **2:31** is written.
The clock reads **7:19**
